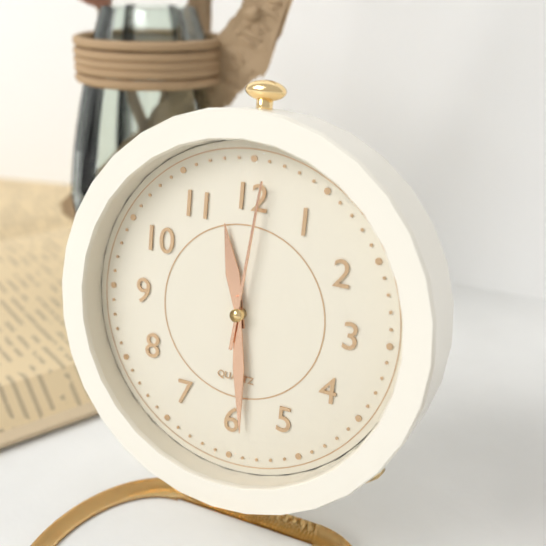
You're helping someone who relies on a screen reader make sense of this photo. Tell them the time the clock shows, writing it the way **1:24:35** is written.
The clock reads **11:29:01**
